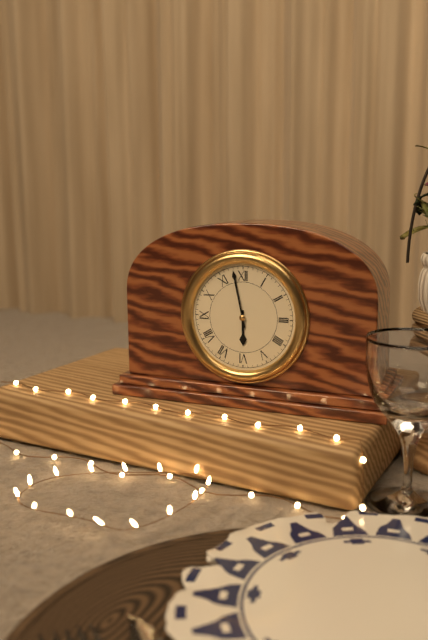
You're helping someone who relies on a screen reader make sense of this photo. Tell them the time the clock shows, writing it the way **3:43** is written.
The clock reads **5:58**
